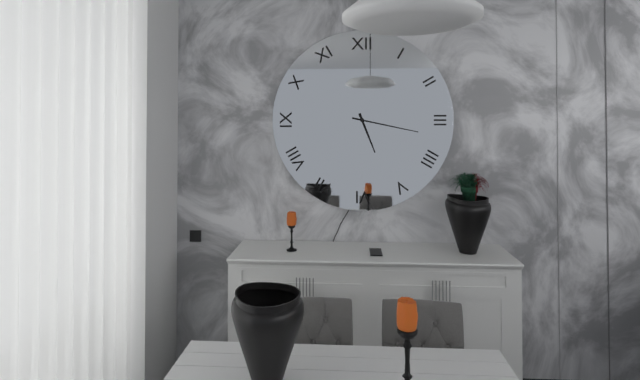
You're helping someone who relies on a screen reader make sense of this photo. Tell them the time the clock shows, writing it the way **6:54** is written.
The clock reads **5:17**
